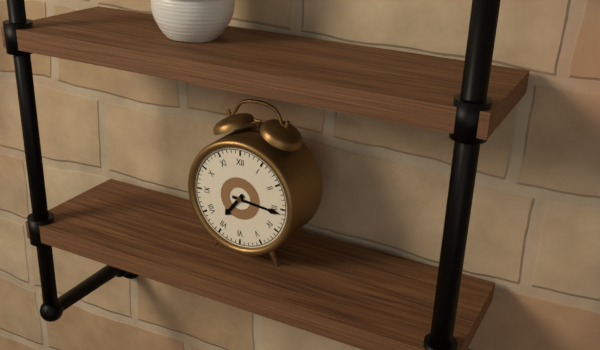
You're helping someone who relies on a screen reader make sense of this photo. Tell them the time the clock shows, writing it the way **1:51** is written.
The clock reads **7:16**
